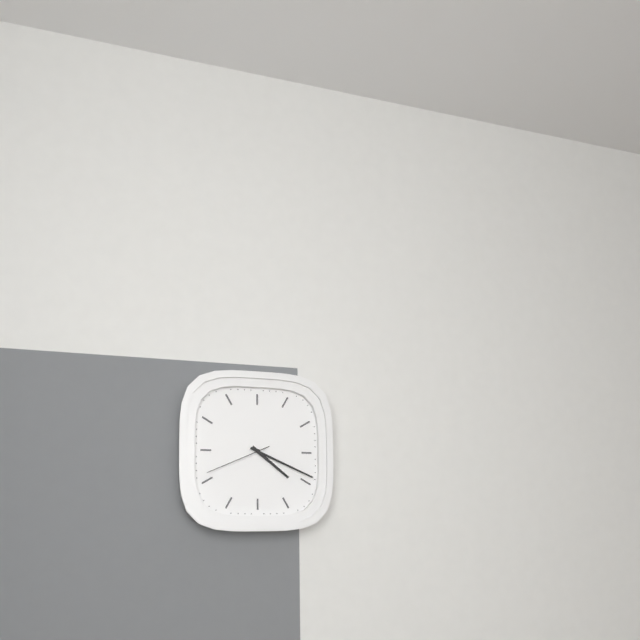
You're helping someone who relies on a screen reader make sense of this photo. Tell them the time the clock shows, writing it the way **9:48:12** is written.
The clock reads **4:19:41**
